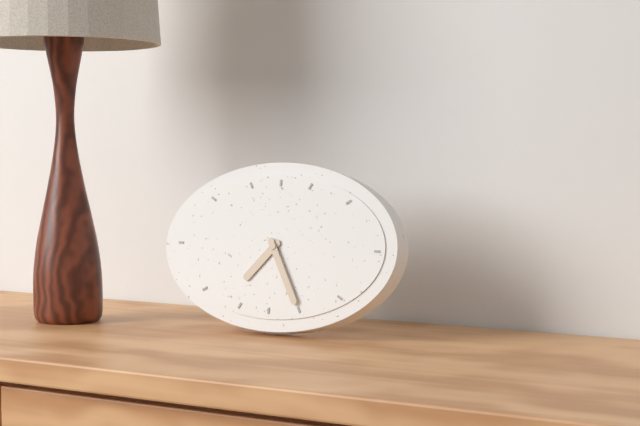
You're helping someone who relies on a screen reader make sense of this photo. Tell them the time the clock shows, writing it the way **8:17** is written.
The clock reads **7:25**
